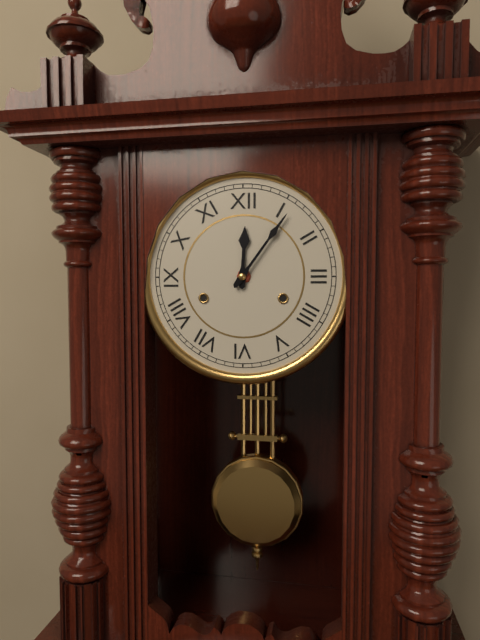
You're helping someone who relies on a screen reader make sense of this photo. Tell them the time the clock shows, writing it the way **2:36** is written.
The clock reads **12:06**
